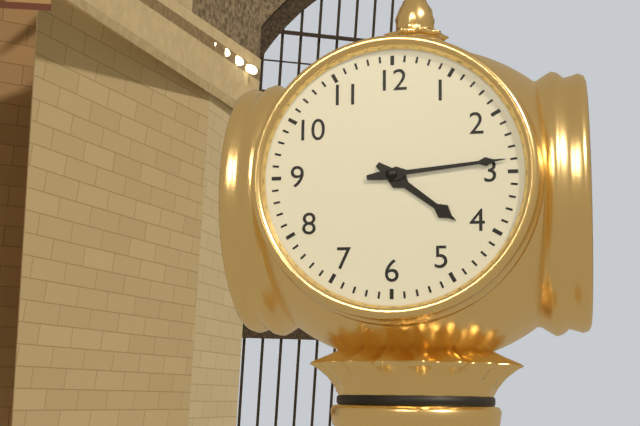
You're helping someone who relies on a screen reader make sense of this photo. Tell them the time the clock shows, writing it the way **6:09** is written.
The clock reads **4:14**
